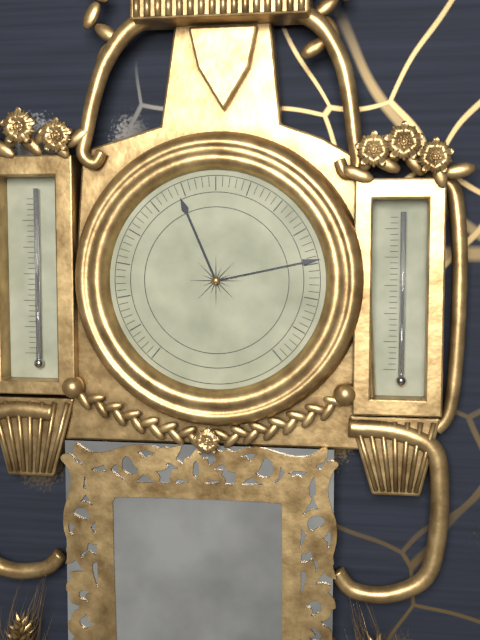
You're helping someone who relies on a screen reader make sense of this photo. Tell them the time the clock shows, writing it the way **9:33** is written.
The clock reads **11:13**
